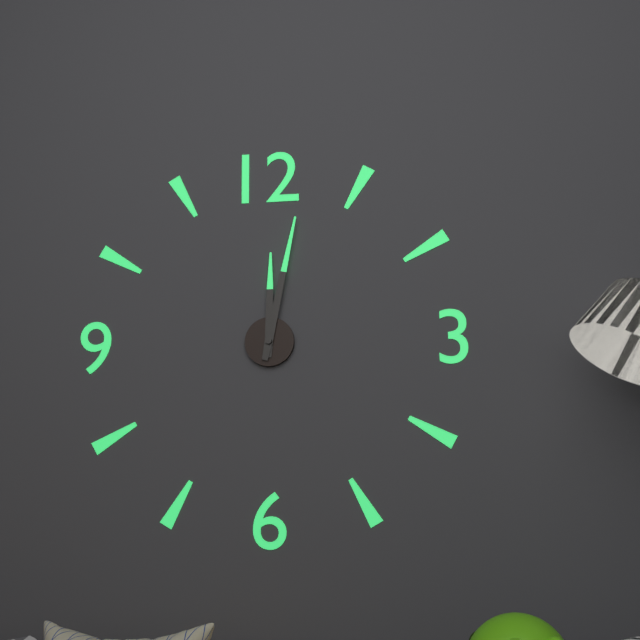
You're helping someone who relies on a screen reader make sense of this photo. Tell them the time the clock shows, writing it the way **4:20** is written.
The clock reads **12:02**
